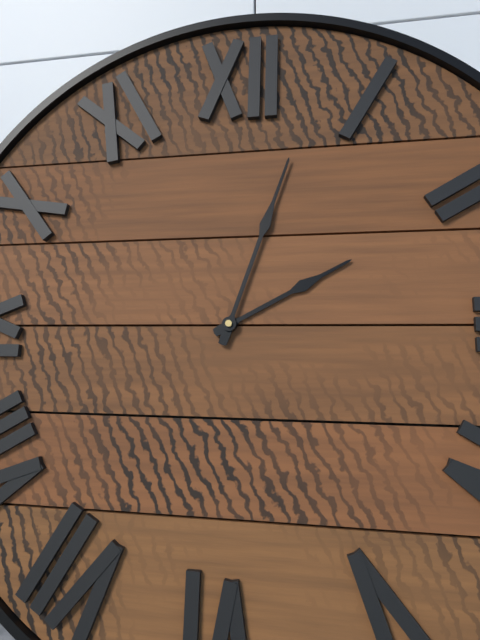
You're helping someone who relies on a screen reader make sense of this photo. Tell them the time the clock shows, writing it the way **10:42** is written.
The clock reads **2:03**
